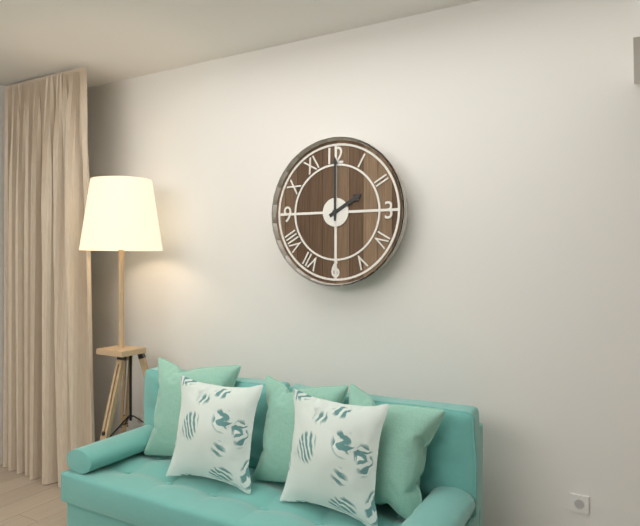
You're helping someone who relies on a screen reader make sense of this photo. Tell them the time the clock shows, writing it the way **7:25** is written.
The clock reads **2:00**
